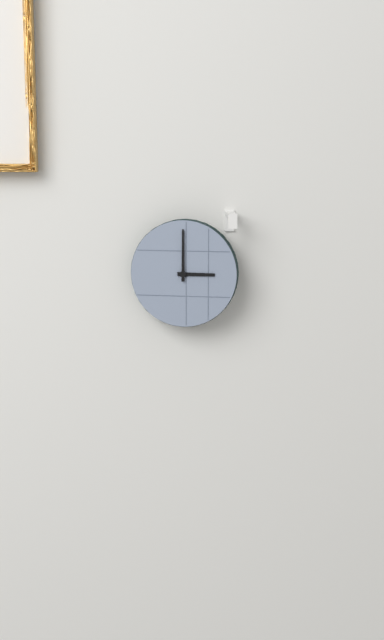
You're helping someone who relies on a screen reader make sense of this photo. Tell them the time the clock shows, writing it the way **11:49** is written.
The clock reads **3:00**
